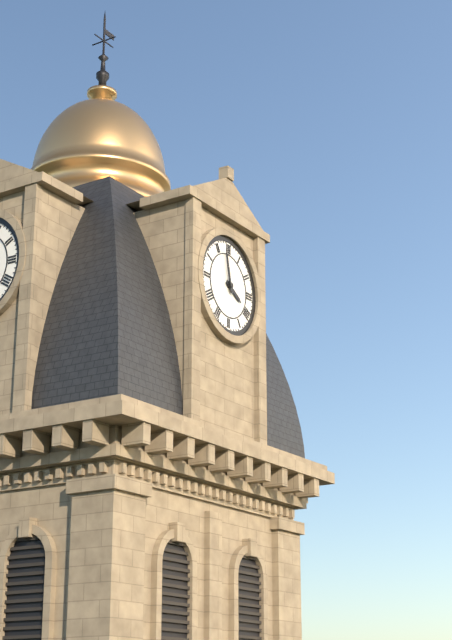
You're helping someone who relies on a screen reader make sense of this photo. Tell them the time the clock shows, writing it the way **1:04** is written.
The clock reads **3:58**
